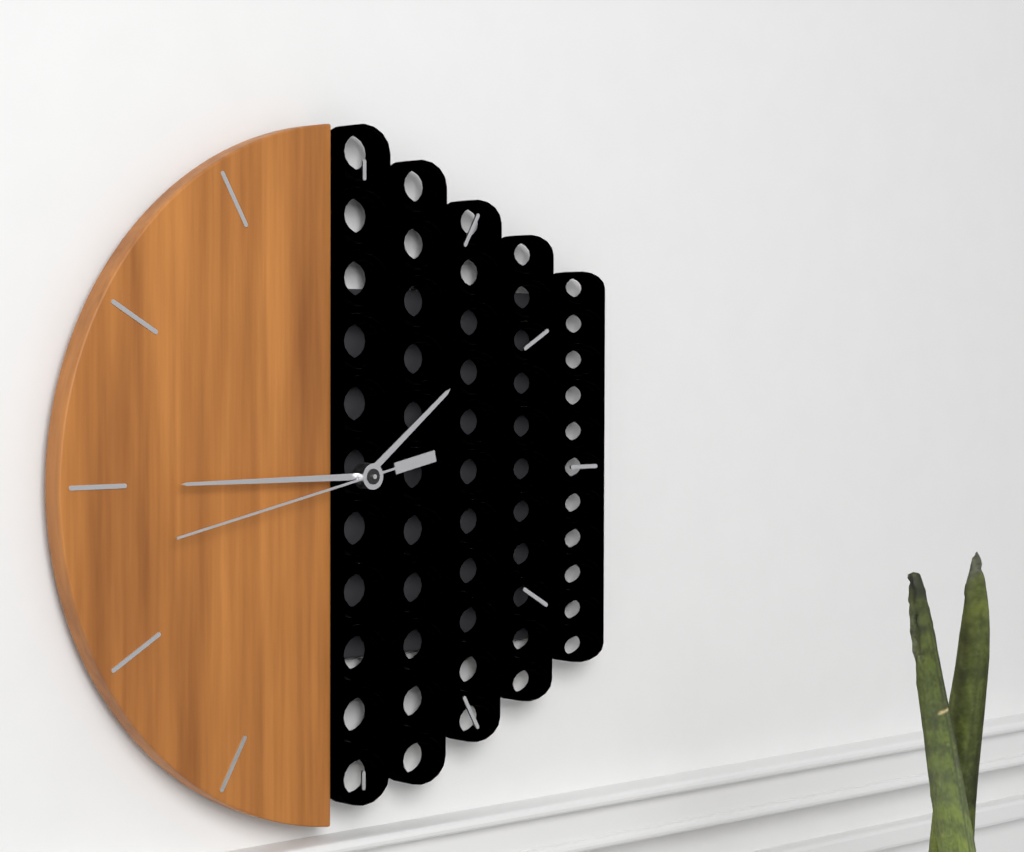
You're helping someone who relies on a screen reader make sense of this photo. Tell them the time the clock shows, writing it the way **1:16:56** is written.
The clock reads **1:45:43**
